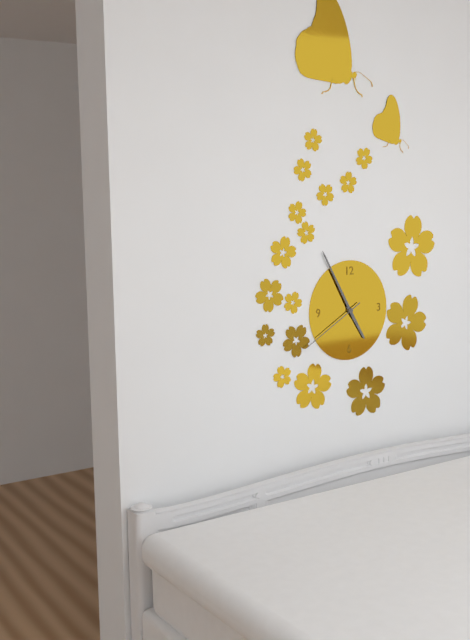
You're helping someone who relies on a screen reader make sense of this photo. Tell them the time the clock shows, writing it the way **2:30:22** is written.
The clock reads **4:55:40**
